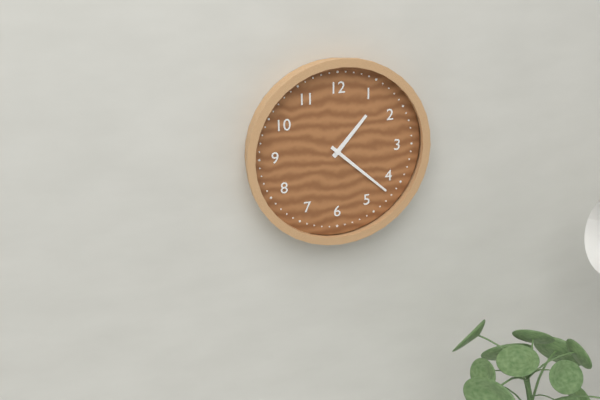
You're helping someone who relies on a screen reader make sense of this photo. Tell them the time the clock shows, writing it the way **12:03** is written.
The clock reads **1:22**
